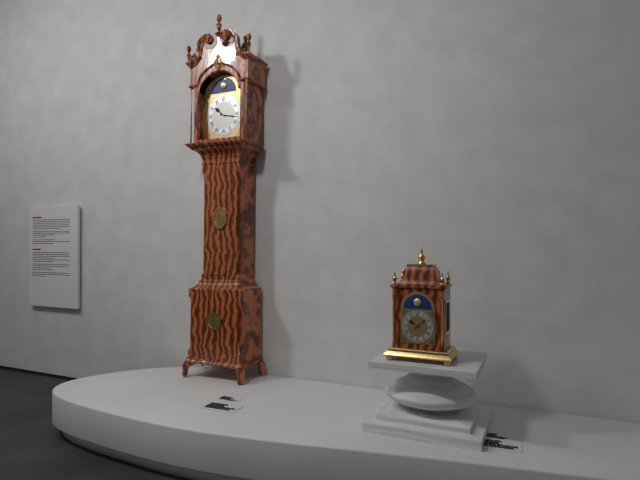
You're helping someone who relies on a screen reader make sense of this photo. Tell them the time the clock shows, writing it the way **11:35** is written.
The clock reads **10:17**
